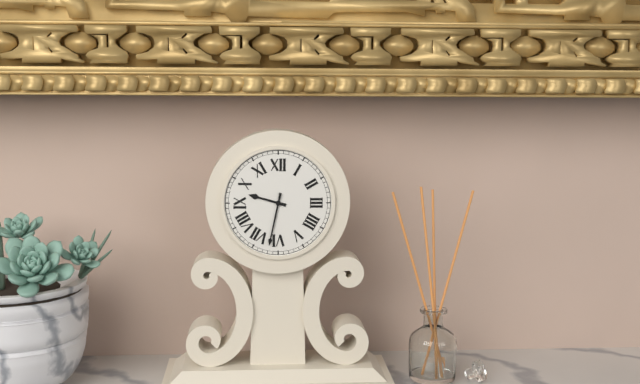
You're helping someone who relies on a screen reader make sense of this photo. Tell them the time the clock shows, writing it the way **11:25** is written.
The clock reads **9:32**
